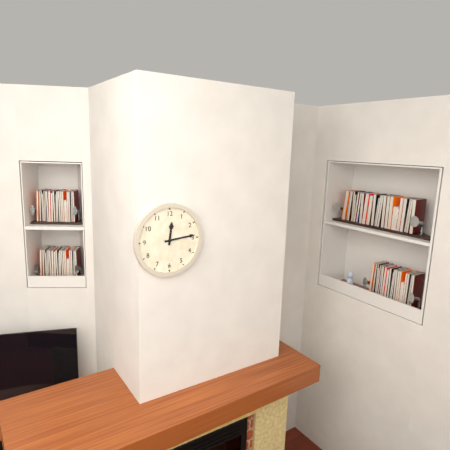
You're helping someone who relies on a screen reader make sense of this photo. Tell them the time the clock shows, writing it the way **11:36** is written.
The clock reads **12:14**
